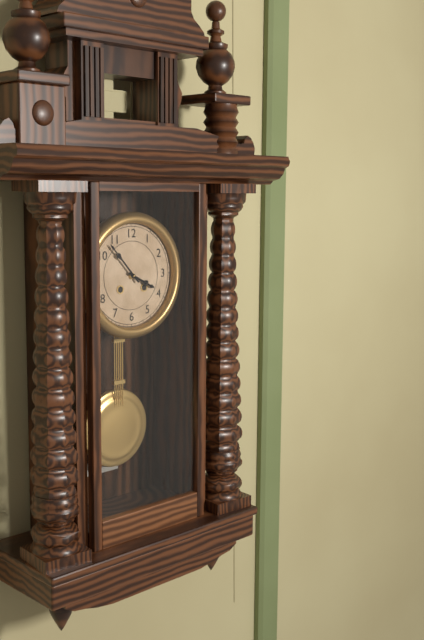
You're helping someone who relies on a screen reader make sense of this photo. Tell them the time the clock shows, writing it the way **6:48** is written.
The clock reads **3:53**
